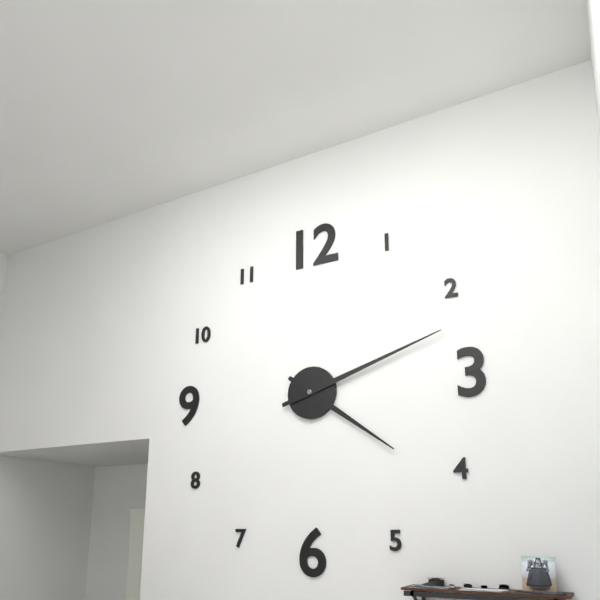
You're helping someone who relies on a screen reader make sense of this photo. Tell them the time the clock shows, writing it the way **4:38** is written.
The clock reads **4:12**
